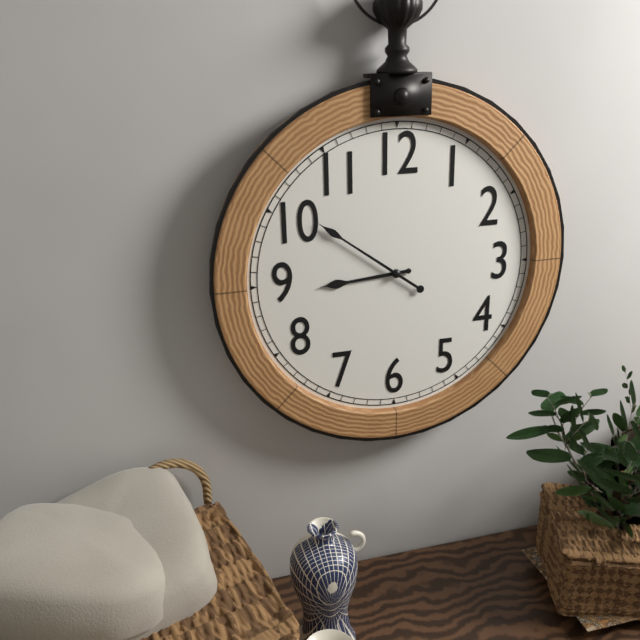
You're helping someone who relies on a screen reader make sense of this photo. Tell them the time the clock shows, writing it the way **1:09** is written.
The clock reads **8:51**
